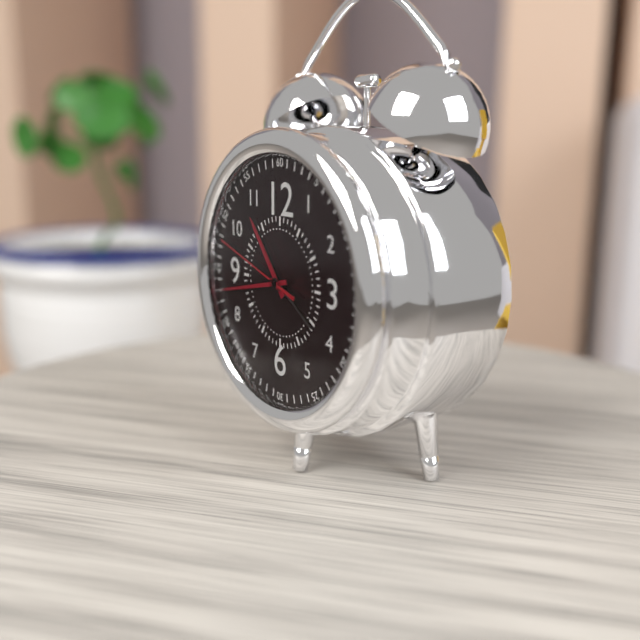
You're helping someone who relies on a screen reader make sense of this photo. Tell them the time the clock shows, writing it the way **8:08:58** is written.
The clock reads **10:43:48**
